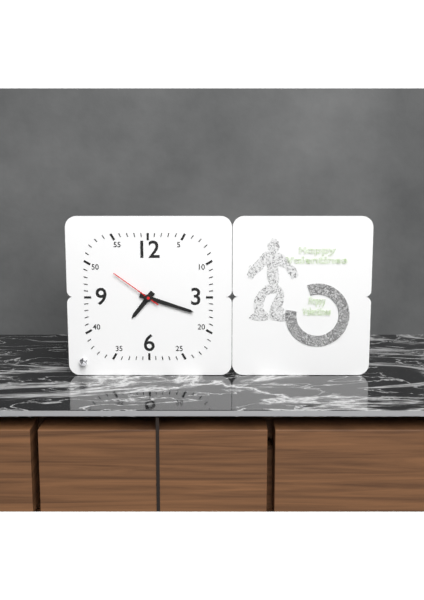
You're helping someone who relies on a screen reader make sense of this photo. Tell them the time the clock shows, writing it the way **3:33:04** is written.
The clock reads **7:18:51**
